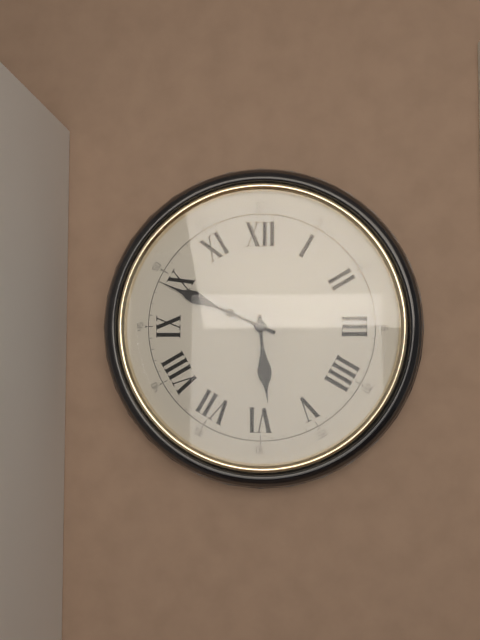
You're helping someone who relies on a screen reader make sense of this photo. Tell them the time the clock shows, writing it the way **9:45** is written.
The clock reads **5:49**
